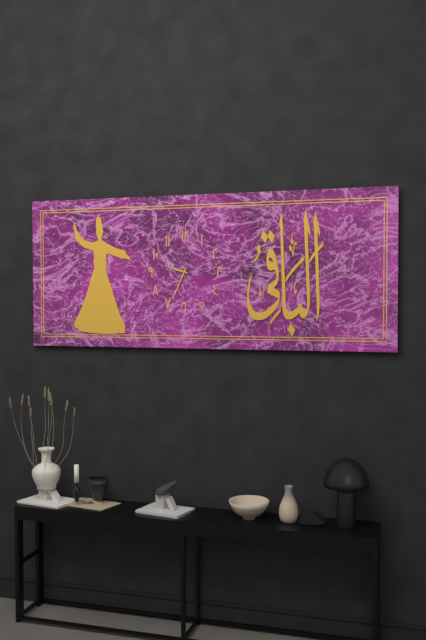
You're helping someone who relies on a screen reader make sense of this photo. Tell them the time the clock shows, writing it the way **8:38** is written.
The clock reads **9:34**
